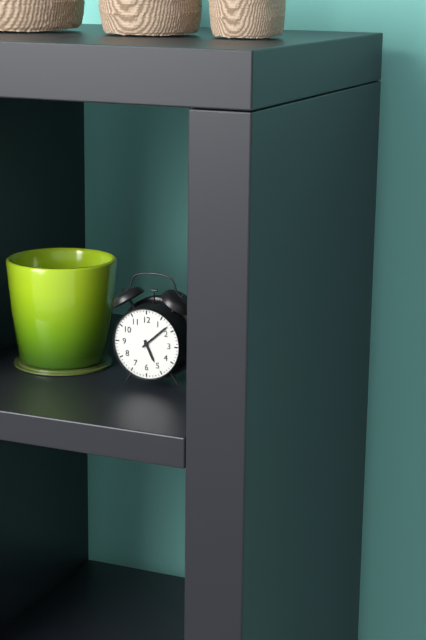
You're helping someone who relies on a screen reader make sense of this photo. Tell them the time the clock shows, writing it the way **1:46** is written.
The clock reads **5:08**
